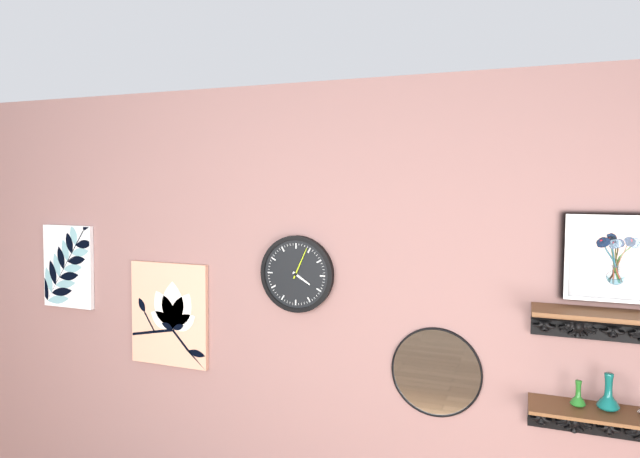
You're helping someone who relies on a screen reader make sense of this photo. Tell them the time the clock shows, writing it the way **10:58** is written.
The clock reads **4:04**
